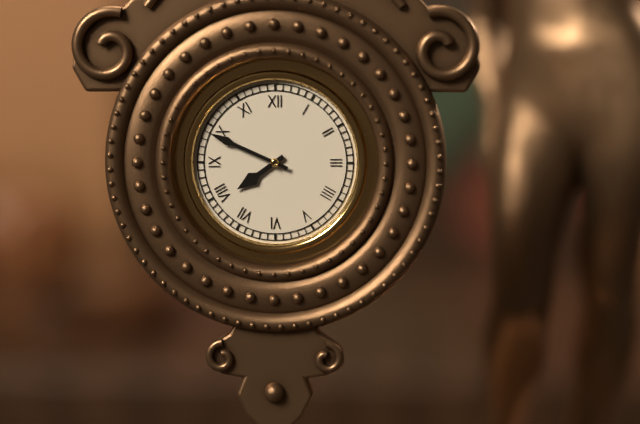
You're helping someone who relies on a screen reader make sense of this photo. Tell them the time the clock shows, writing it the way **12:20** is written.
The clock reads **7:49**
